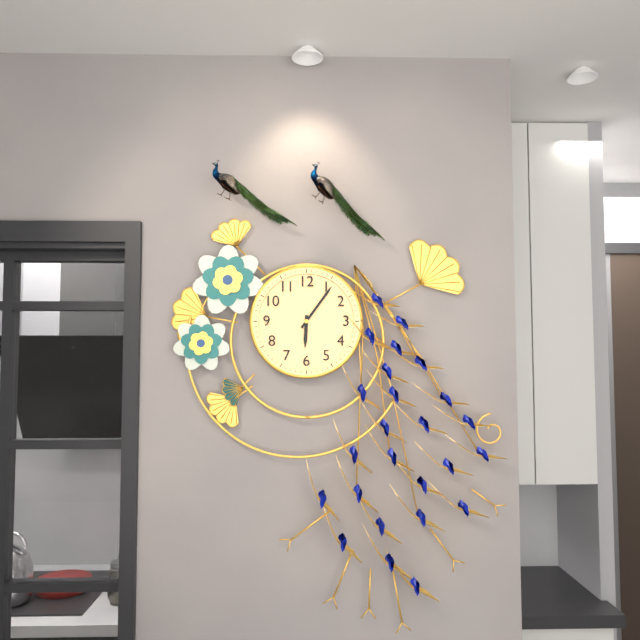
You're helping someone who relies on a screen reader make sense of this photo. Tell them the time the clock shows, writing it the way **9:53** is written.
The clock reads **6:06**
